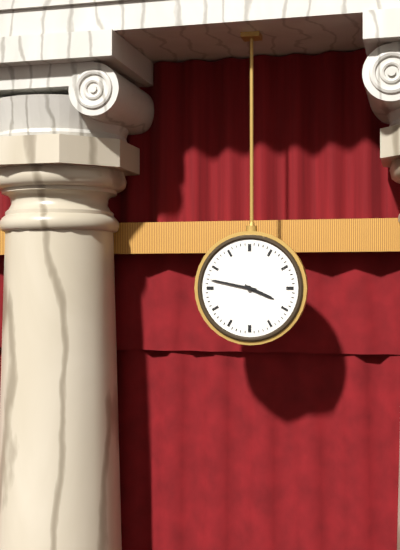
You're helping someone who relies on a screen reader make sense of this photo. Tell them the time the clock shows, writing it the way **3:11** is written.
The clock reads **3:47**
